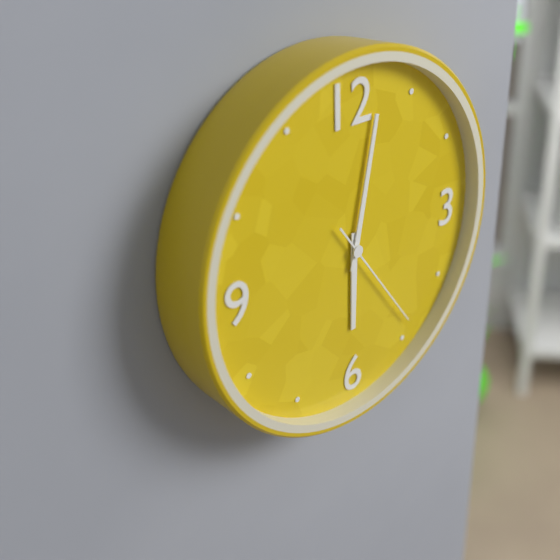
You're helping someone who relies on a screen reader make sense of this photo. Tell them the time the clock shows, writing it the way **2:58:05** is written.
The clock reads **6:02:24**
